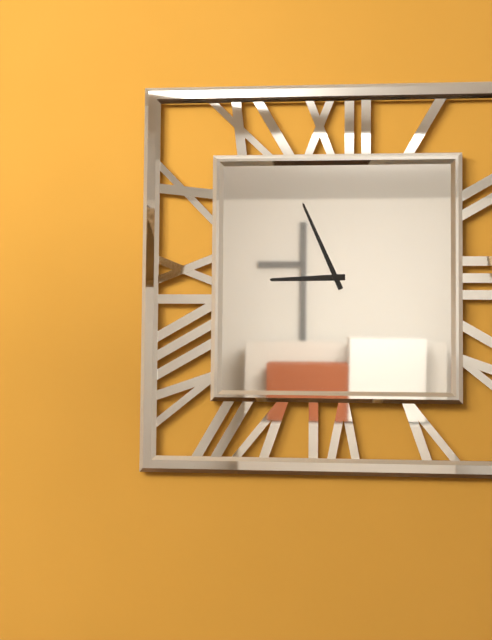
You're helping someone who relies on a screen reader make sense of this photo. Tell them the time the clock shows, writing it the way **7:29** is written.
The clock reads **8:56**
